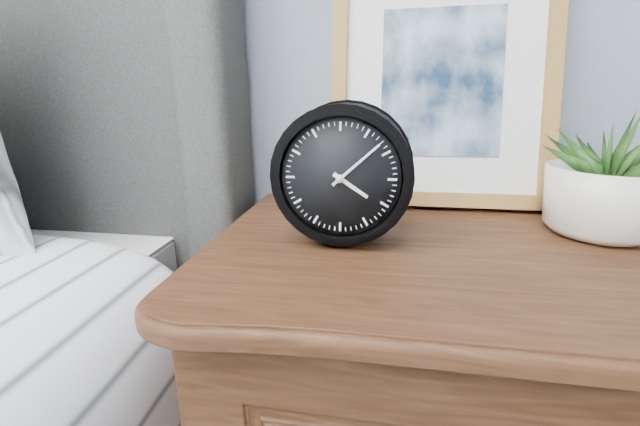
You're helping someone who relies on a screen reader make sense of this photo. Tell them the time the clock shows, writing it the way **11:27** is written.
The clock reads **4:08**
